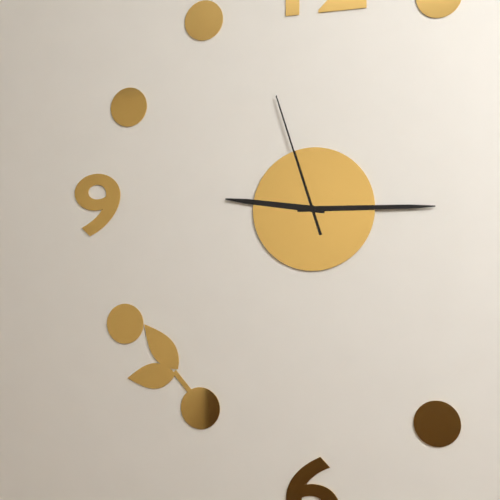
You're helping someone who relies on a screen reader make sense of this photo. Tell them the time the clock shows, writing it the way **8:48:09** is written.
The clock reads **9:15:57**
